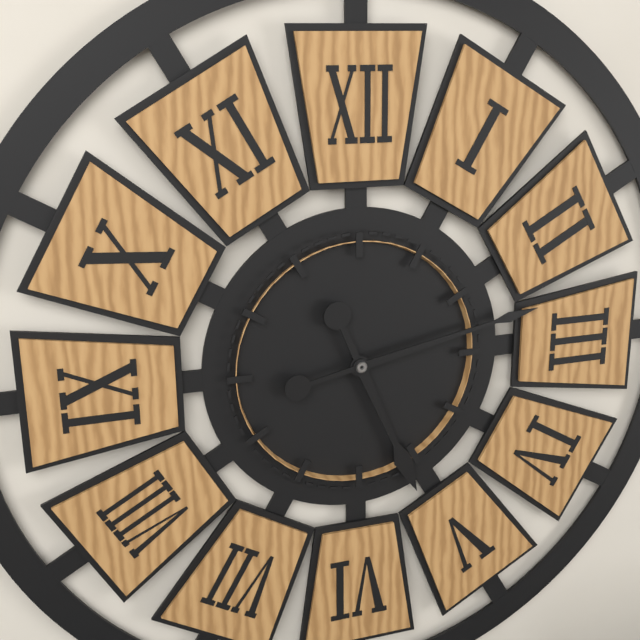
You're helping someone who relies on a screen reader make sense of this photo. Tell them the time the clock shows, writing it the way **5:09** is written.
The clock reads **5:13**
